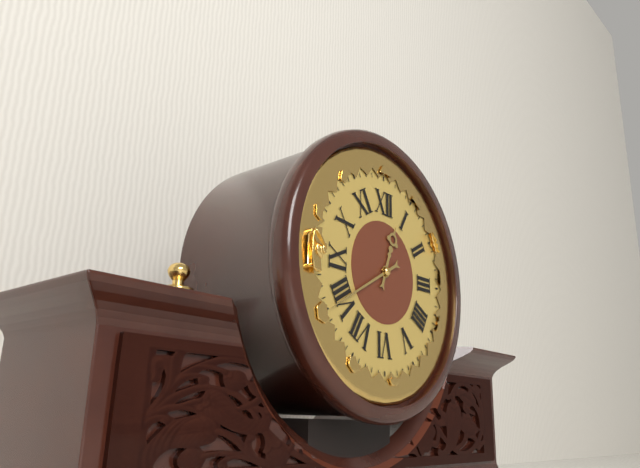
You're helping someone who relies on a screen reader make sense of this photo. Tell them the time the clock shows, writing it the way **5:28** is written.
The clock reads **12:40**
